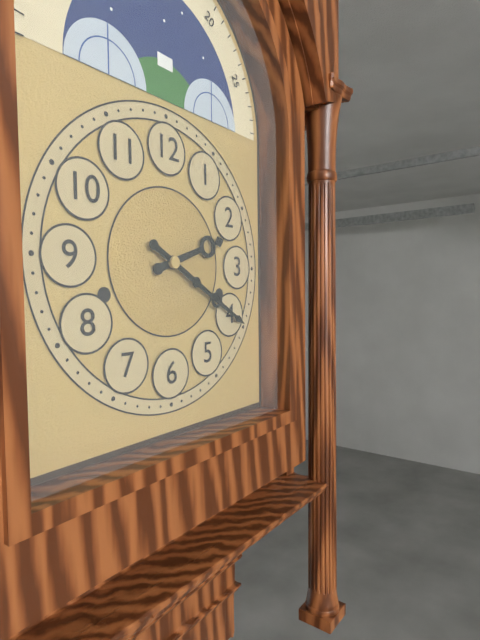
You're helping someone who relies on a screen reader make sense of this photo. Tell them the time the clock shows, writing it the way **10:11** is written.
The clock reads **2:20**
